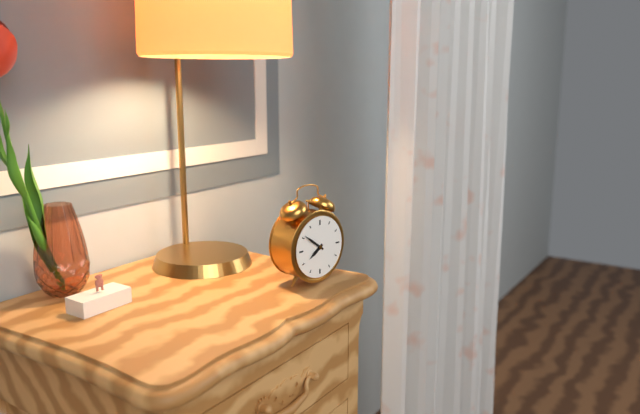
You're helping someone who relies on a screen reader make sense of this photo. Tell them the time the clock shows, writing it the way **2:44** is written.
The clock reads **7:51**
